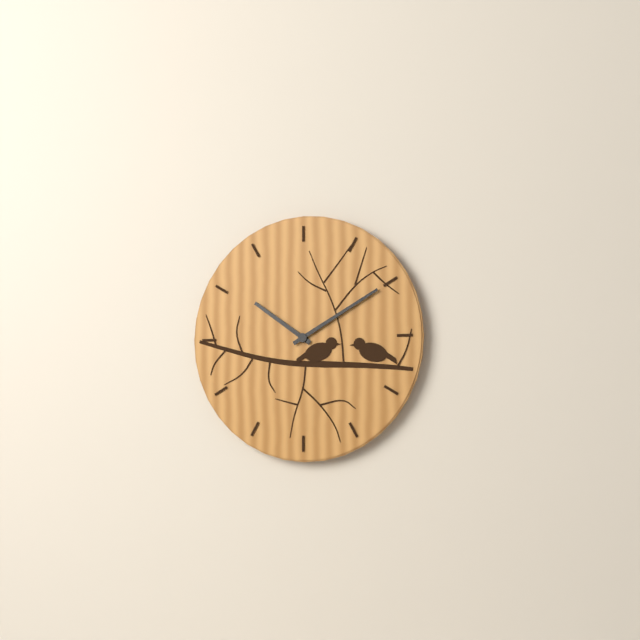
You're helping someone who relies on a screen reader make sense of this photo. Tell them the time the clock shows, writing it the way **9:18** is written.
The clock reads **10:10**
